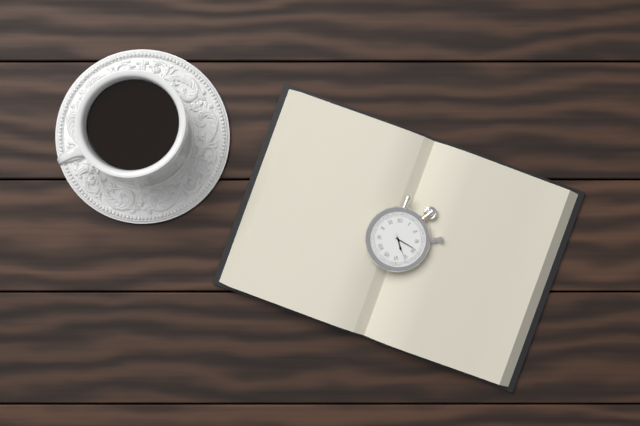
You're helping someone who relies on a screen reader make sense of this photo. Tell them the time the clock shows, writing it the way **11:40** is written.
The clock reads **5:19**
